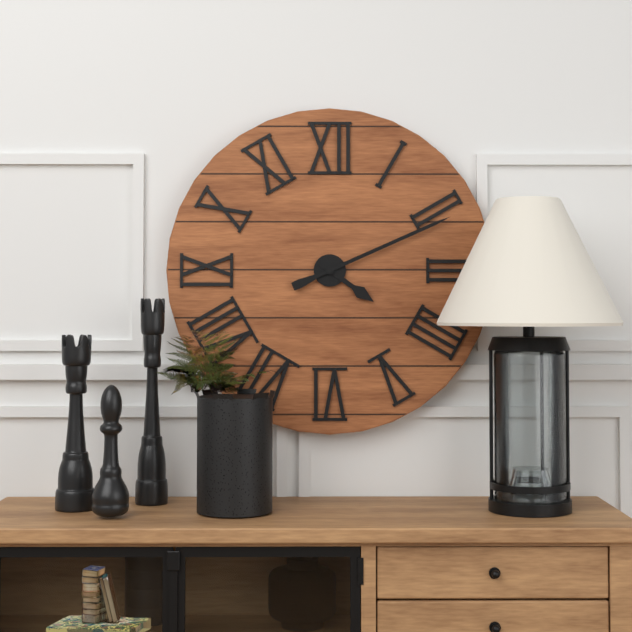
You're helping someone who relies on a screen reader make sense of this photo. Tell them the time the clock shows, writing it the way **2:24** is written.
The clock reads **4:11**
